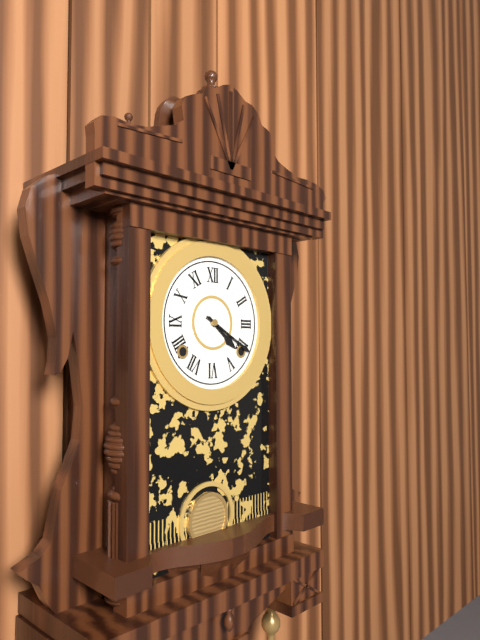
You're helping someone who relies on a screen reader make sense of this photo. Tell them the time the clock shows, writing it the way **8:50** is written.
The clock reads **4:20**
